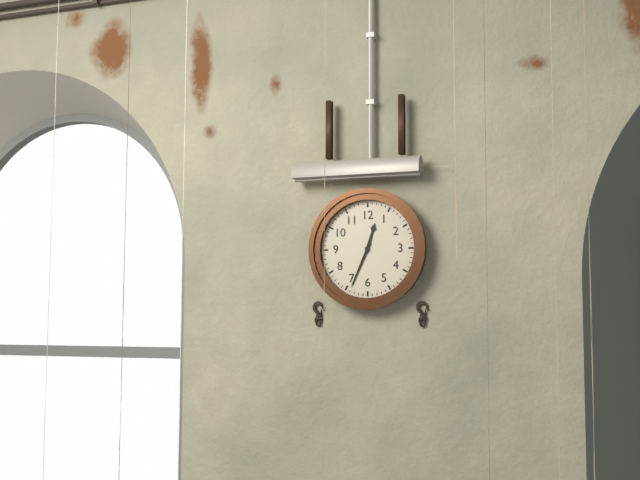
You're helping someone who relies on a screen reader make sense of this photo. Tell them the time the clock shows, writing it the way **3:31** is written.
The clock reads **12:34**
